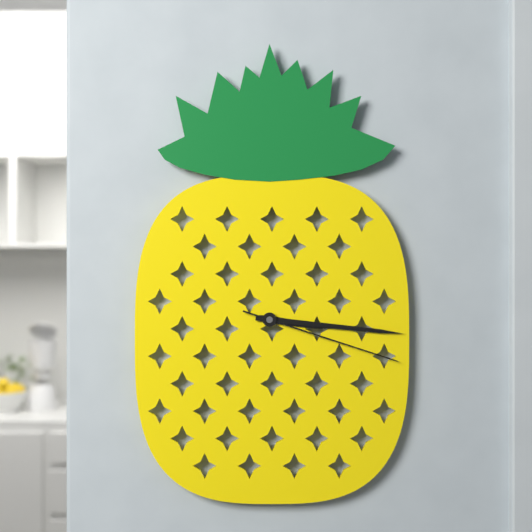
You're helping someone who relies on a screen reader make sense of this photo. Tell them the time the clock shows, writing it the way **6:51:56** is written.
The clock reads **3:16:18**
